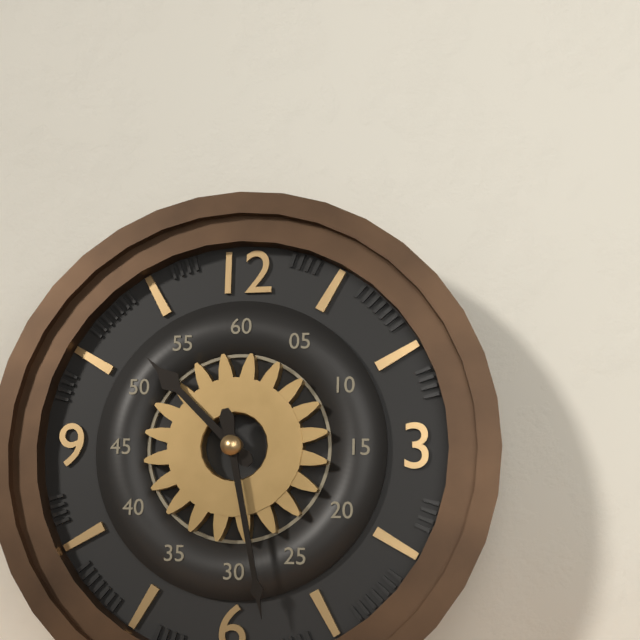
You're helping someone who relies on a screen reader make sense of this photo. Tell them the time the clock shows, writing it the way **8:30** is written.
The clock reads **10:28**
